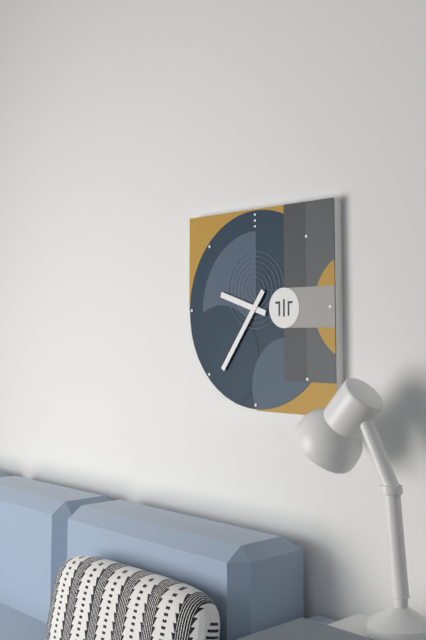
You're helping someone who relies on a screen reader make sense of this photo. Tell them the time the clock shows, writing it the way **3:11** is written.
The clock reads **9:36**
